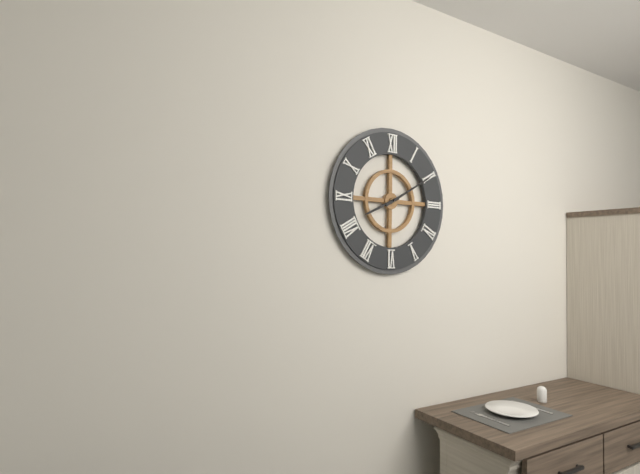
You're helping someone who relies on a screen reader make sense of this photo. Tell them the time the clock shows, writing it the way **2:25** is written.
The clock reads **8:10**
